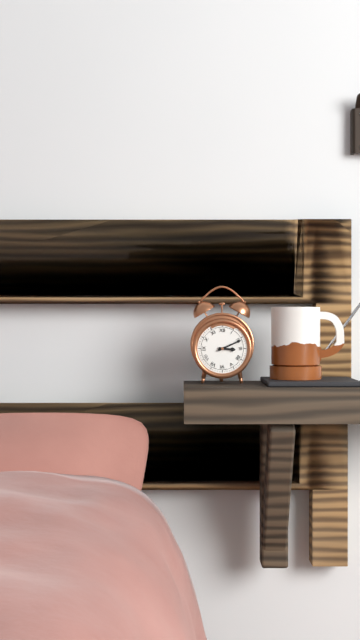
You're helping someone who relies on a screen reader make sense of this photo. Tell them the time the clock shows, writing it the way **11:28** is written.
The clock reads **3:11**
